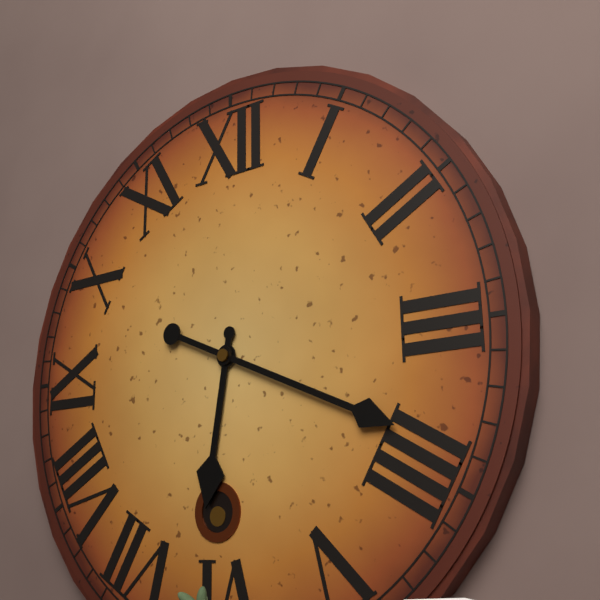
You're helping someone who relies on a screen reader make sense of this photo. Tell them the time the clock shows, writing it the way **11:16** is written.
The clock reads **6:19**
